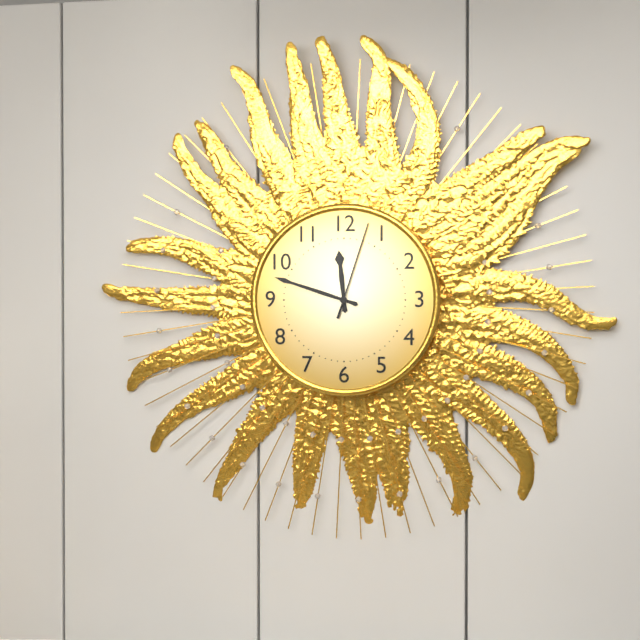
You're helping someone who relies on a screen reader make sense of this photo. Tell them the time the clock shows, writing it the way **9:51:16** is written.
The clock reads **11:48:03**
